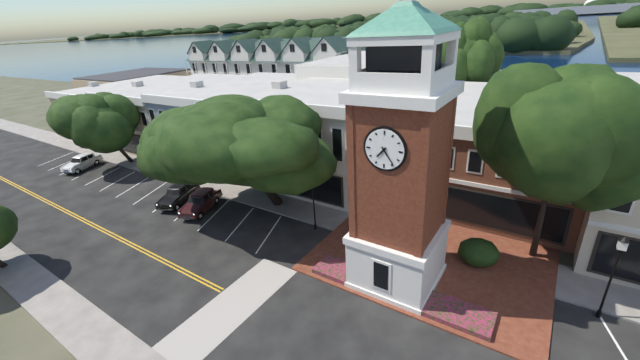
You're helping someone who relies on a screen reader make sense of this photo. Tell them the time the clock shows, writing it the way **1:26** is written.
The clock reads **7:24**
